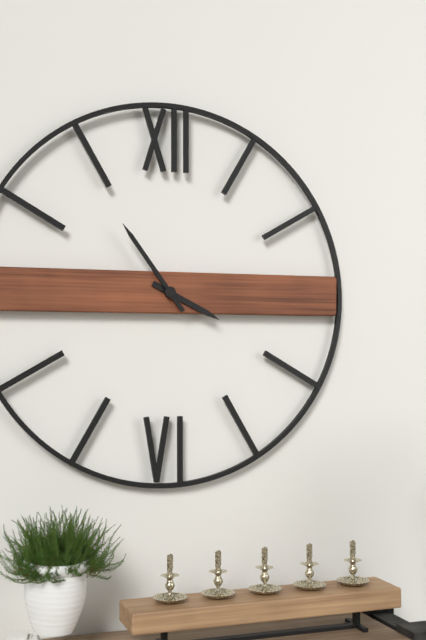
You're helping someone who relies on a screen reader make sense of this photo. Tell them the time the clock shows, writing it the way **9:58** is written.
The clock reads **3:54**
